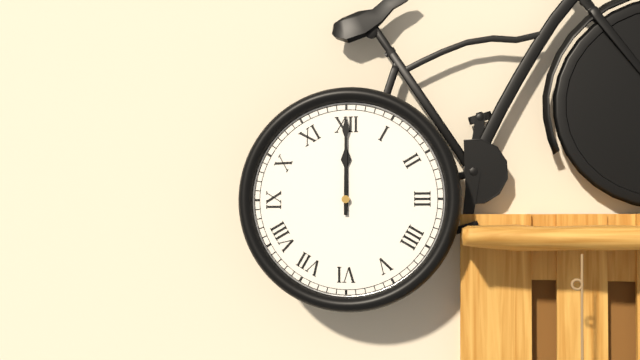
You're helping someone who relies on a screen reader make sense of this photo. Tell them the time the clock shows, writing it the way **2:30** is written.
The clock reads **12:00**
